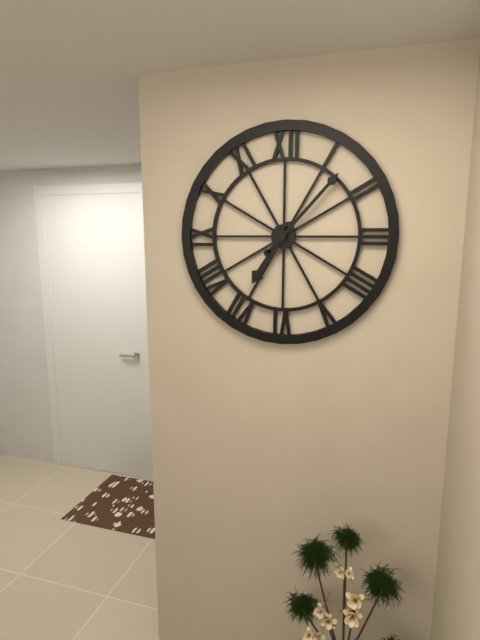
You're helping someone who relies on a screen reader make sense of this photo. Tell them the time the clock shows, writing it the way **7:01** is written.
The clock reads **7:07**
